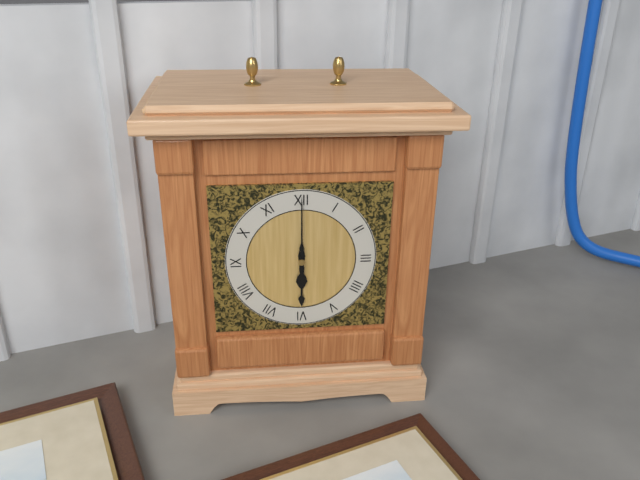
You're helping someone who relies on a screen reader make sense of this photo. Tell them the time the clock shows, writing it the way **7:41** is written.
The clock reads **6:00**
